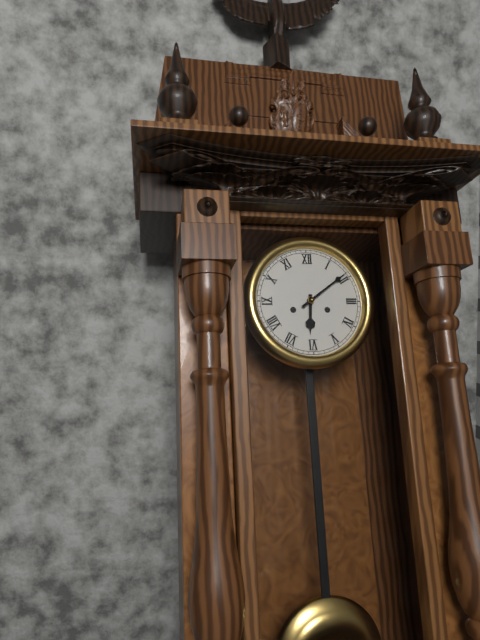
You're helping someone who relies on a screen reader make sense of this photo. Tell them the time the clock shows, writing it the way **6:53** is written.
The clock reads **6:09**
